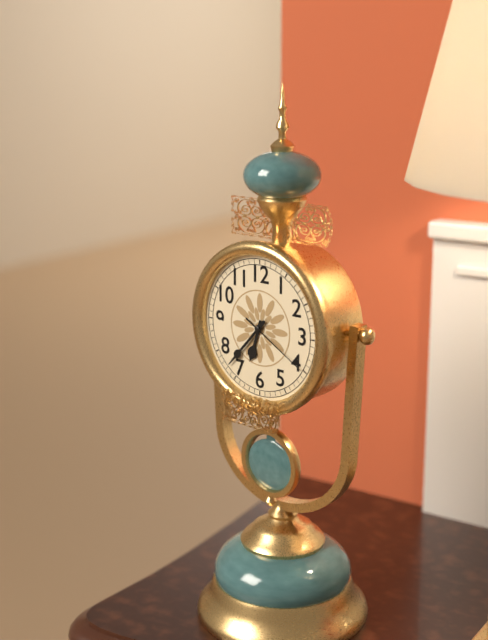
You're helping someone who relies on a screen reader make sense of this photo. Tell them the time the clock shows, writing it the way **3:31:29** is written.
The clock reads **6:37:20**
